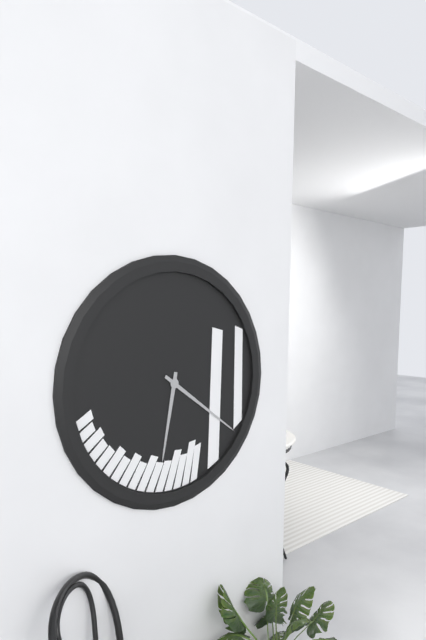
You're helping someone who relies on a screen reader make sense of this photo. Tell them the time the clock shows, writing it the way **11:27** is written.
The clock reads **6:21**
